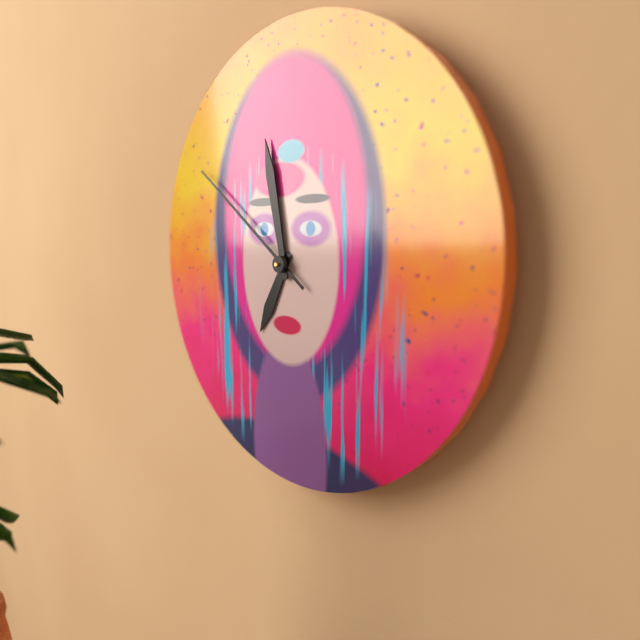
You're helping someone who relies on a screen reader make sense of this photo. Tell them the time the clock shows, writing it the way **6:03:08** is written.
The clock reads **6:58:51**
